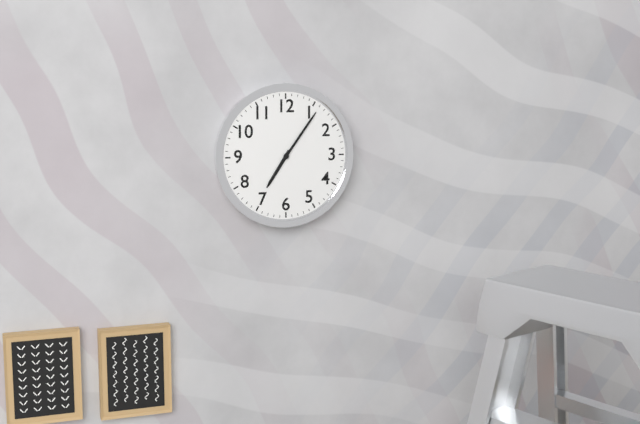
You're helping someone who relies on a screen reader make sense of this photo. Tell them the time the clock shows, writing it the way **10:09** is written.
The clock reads **7:06**
